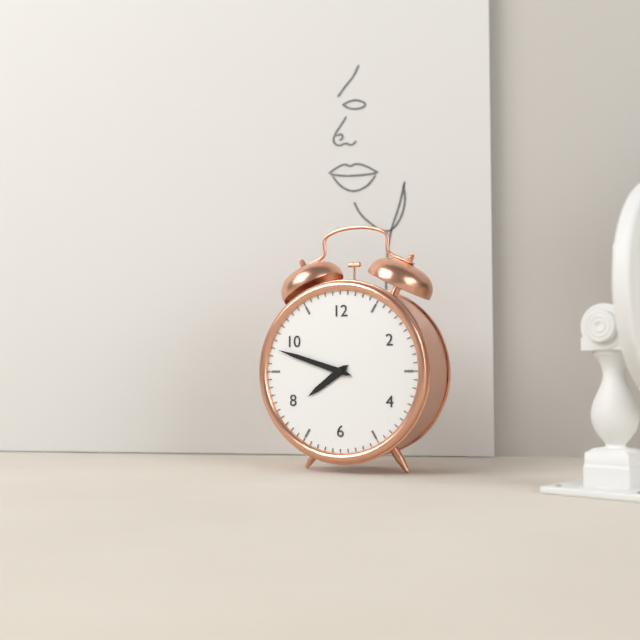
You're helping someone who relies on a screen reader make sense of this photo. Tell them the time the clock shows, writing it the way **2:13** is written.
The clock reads **7:48**
